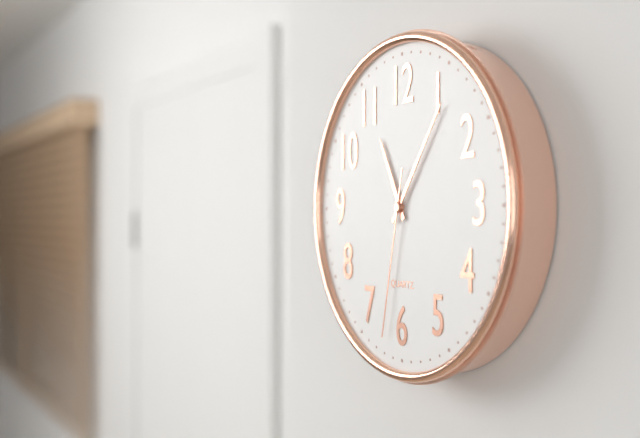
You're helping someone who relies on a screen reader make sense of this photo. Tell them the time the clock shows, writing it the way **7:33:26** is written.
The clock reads **11:06:32**
